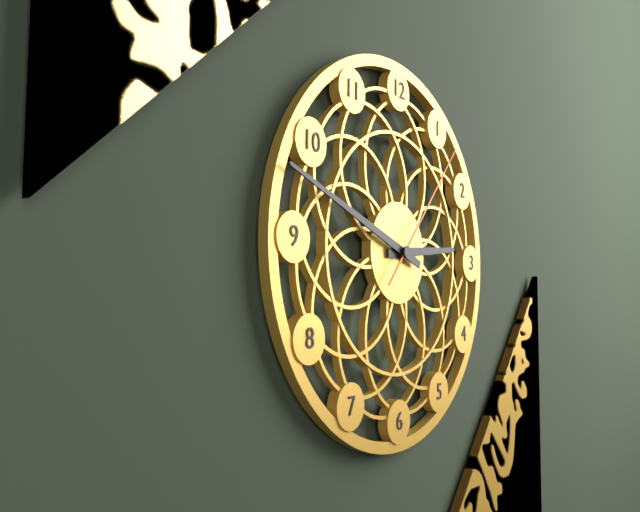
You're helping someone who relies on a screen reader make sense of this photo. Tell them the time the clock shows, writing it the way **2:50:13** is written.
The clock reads **2:48:07**
